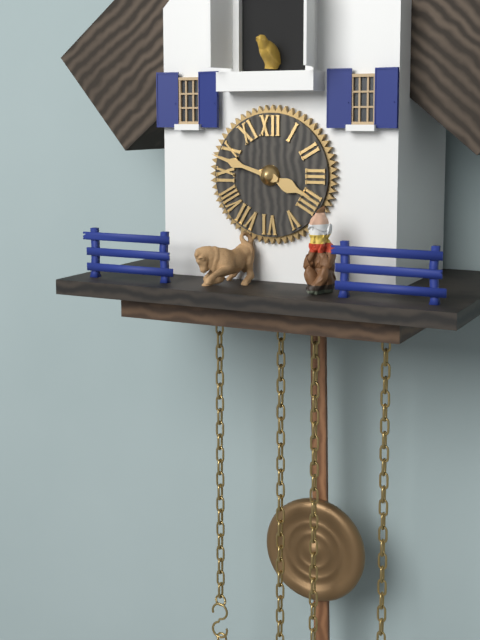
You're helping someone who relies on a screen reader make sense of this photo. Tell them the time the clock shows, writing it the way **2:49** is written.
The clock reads **3:48**
